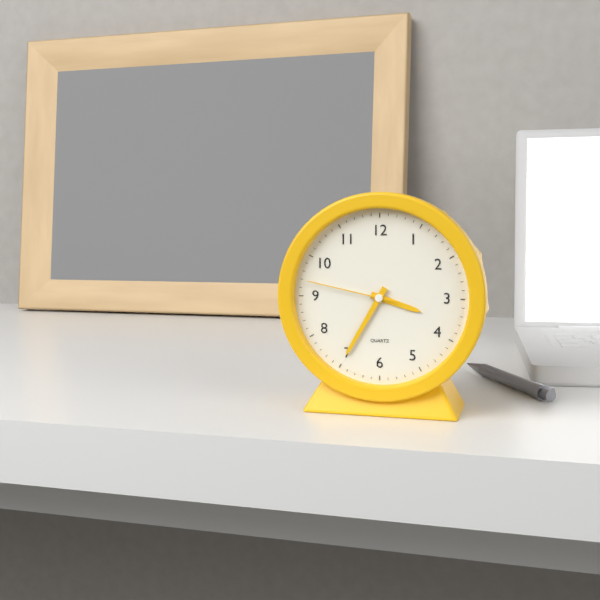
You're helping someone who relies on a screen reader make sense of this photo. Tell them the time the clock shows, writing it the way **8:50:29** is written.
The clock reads **3:35:47**
